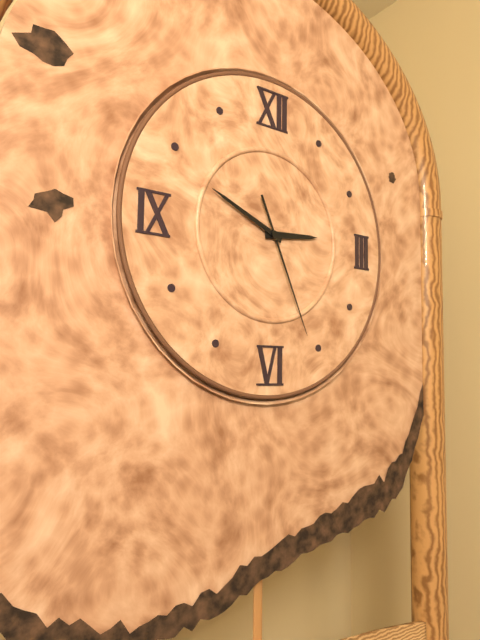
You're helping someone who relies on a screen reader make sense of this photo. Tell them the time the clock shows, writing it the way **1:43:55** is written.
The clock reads **2:49:26**
